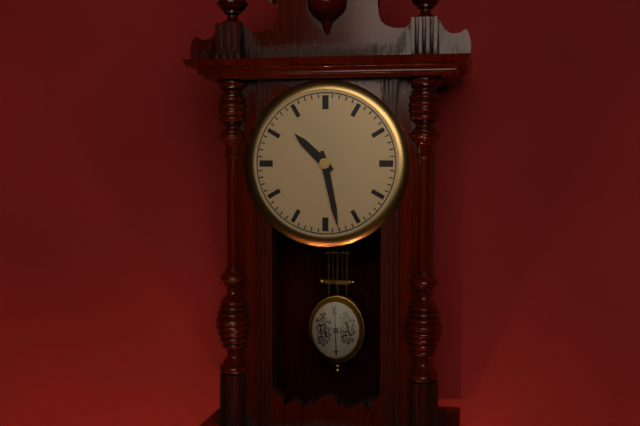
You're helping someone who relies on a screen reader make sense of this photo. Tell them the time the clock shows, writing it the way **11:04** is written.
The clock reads **10:28**
